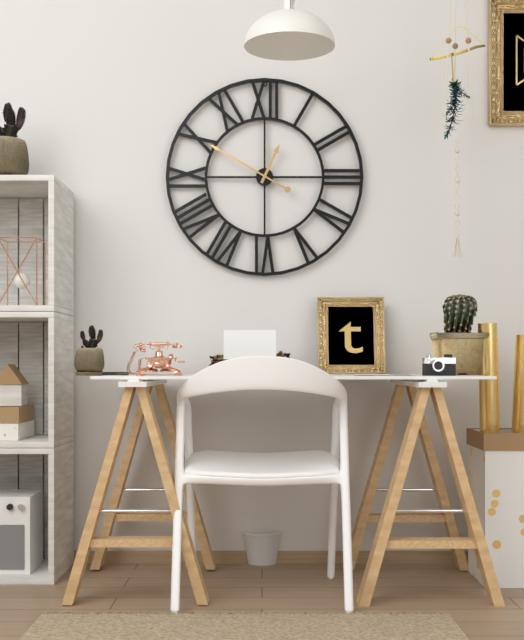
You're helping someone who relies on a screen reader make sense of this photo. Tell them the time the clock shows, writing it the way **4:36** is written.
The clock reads **12:50**
